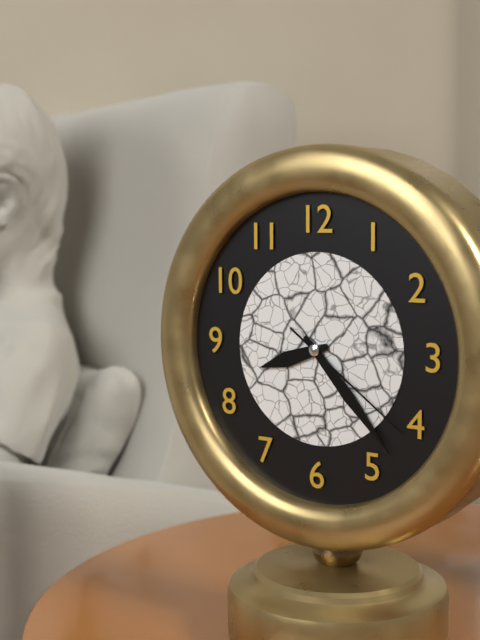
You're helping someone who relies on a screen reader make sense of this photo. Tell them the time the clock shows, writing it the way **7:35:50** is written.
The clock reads **8:23:21**
